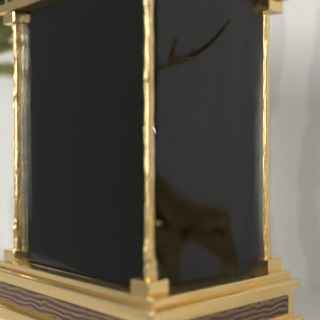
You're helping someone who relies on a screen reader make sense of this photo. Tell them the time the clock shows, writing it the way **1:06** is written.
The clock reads **9:58**
